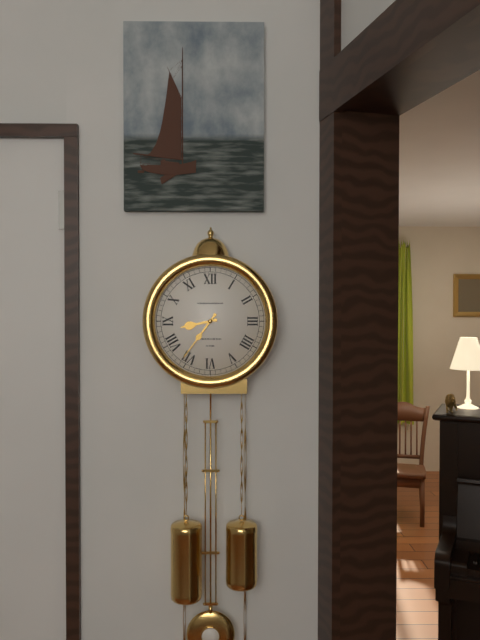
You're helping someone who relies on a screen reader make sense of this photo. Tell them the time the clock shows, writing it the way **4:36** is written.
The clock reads **8:36**
